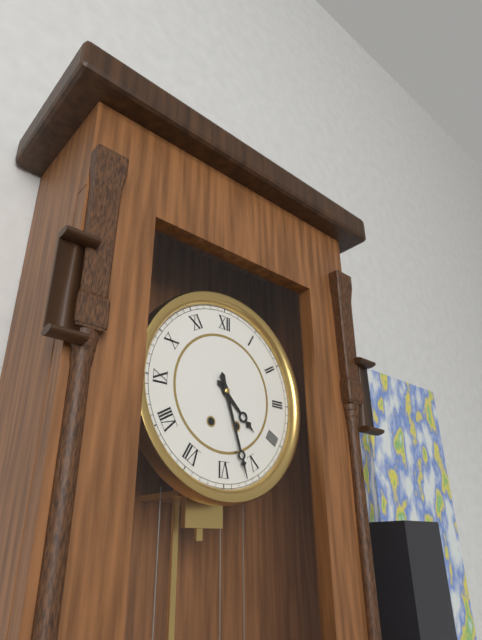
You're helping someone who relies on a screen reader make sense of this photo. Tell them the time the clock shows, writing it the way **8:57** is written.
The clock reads **4:27**
